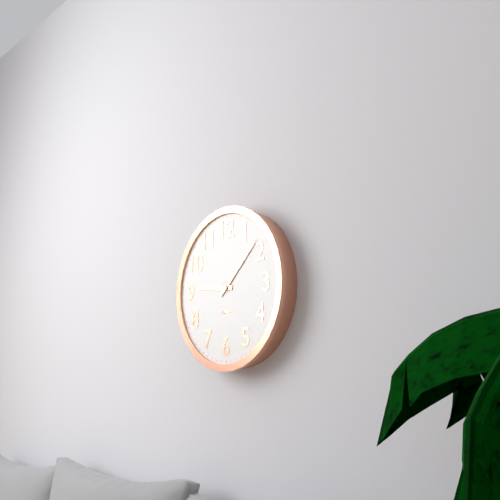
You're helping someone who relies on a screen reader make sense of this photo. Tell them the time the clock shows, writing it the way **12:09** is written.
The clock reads **9:08**
